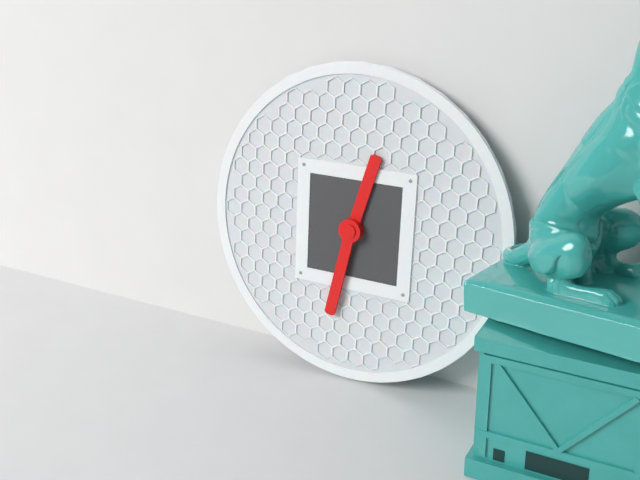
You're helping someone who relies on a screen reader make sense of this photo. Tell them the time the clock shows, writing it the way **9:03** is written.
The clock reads **12:32**
